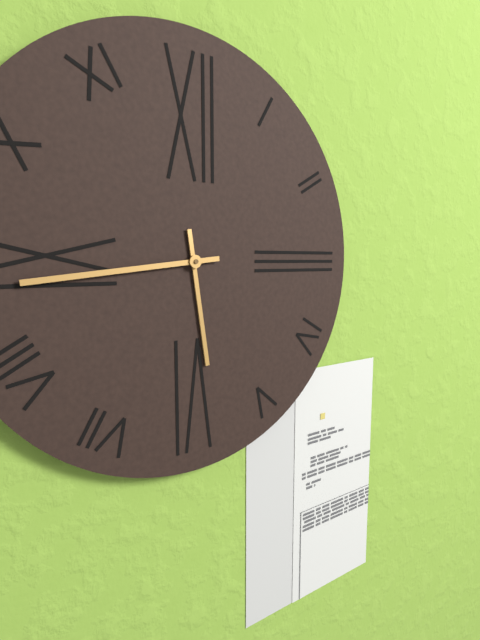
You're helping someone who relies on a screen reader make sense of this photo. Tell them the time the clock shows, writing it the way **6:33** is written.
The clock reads **5:44**
